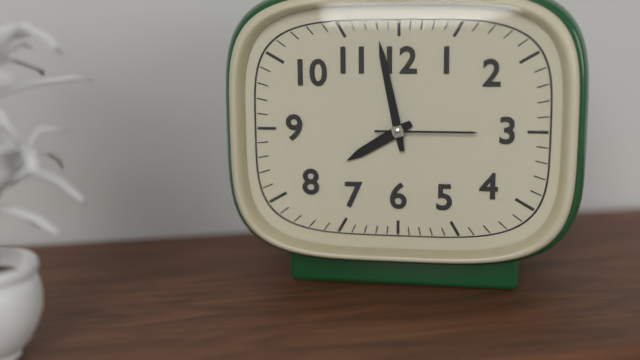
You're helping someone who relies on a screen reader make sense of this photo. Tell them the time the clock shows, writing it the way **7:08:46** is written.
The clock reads **7:58:15**
